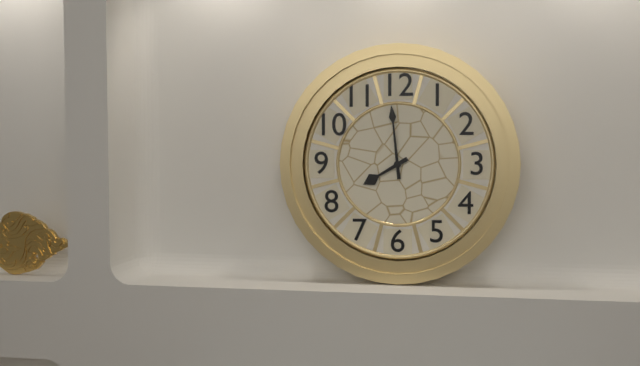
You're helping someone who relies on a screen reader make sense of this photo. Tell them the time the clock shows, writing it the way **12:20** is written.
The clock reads **7:59**
